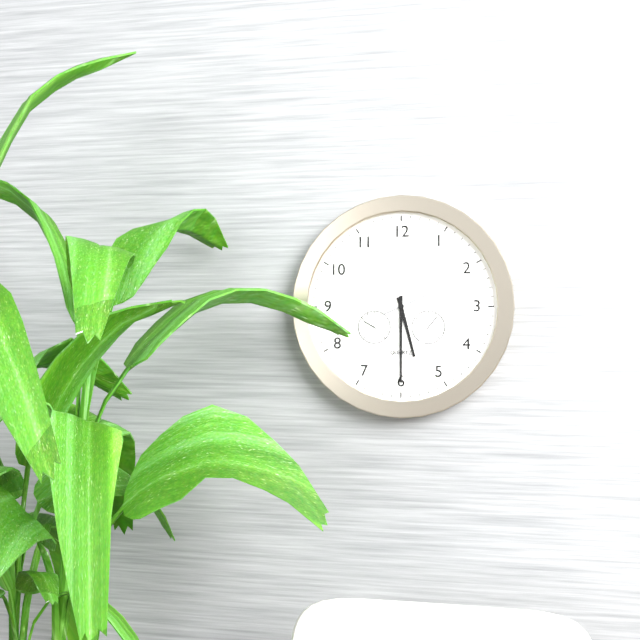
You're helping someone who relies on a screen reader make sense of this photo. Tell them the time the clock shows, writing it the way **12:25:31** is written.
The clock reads **5:30:11**
